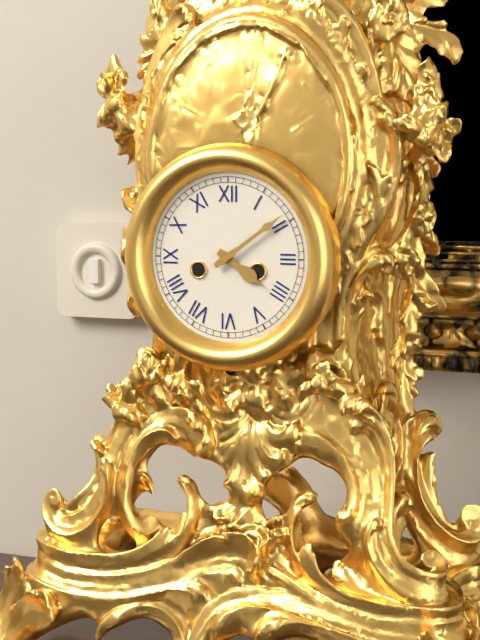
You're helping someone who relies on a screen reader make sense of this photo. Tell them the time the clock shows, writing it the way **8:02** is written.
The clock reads **4:09**
